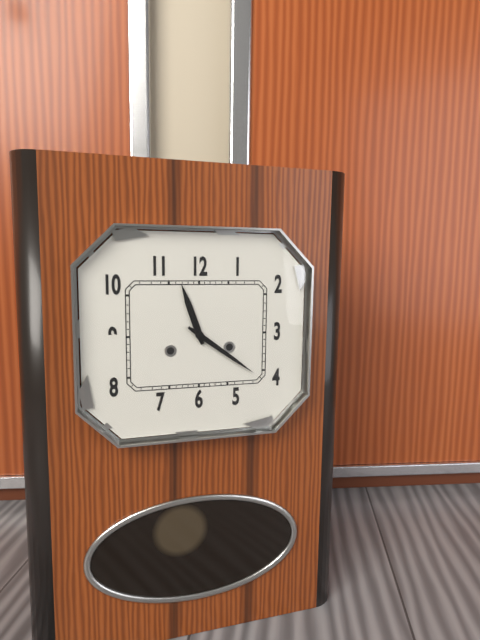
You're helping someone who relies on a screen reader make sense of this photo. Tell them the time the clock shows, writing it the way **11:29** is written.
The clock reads **11:21**
